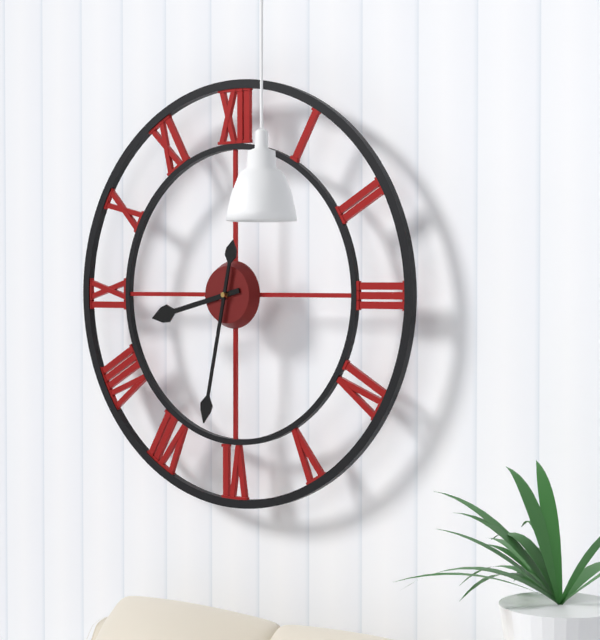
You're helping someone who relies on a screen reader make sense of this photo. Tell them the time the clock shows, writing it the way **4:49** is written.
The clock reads **8:32**
